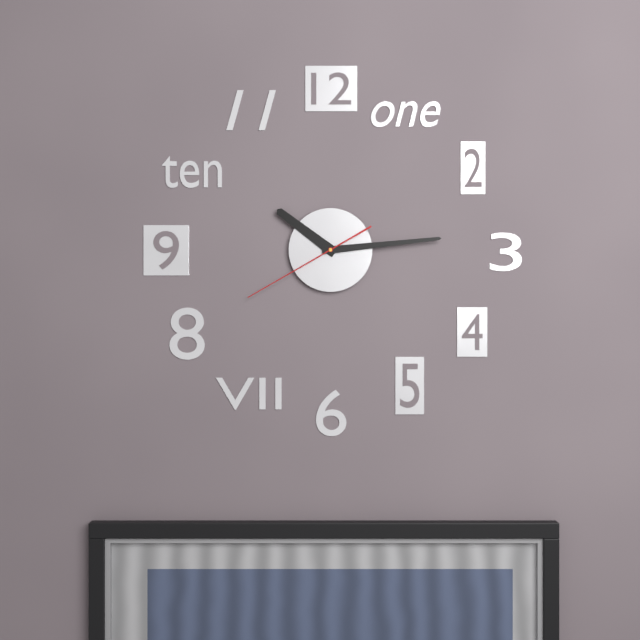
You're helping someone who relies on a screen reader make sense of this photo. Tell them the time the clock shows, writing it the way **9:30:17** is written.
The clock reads **10:14:40**
